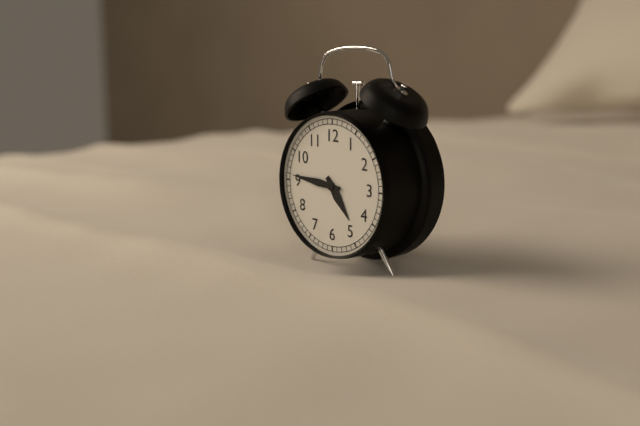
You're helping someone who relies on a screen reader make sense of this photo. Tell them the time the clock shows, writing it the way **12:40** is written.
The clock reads **4:46**
